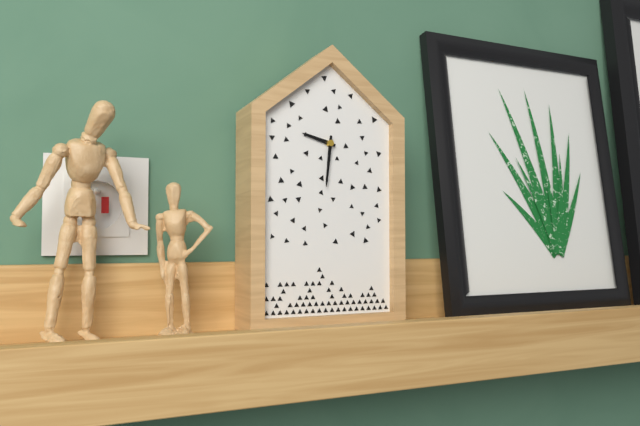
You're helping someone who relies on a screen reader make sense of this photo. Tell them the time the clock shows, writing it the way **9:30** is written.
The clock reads **9:31**
